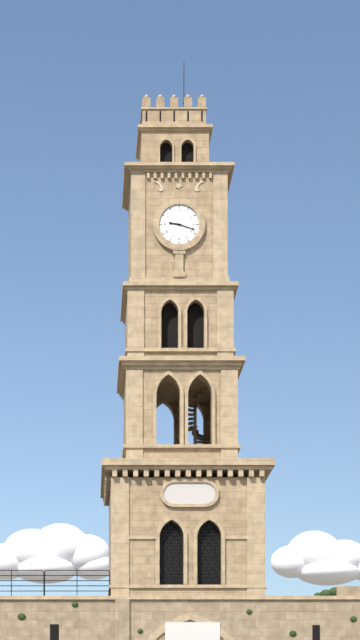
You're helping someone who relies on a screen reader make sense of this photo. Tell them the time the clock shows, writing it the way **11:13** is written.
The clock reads **9:18**
